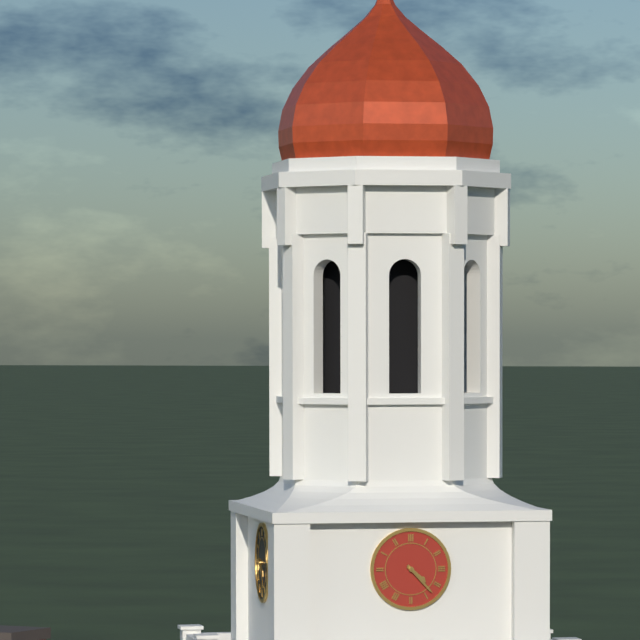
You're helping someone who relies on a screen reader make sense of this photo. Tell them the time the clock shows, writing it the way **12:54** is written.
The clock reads **4:23**
